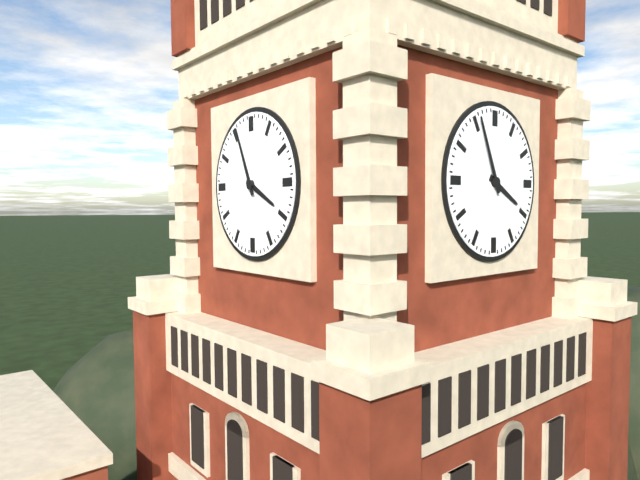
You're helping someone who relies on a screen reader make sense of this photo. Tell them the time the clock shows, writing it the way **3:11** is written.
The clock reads **3:56**
